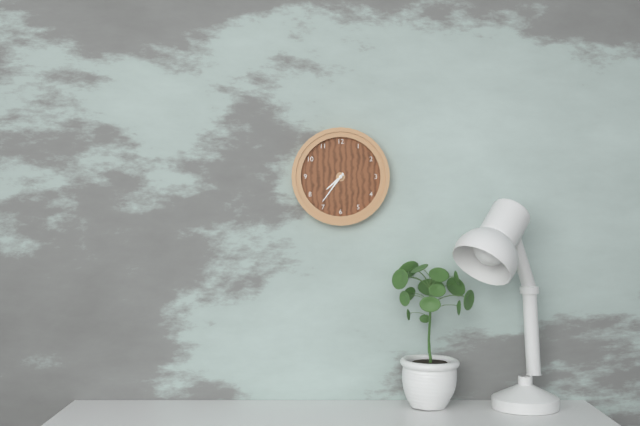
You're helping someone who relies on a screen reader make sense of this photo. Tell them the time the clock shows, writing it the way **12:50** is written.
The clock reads **7:36**
